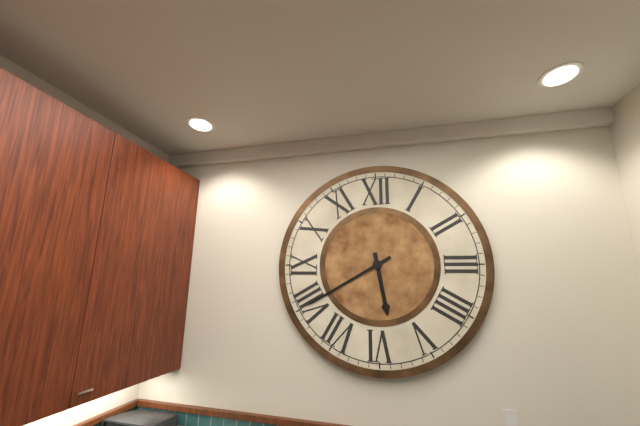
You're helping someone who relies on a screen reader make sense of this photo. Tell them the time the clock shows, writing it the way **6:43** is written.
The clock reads **5:40**
